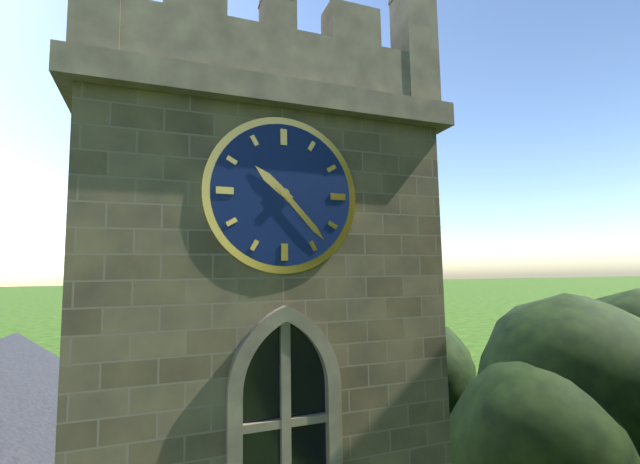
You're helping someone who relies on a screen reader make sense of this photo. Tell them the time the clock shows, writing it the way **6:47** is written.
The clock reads **10:23**
